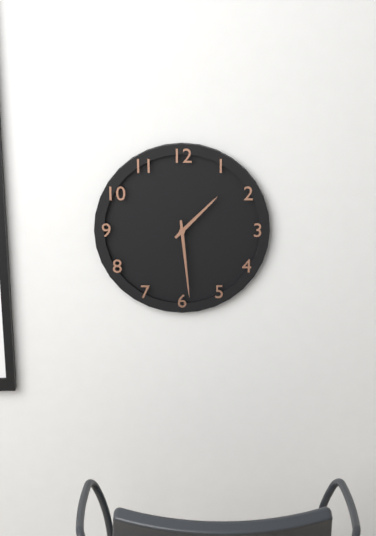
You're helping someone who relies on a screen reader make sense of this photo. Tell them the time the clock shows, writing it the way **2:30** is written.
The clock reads **1:29**
